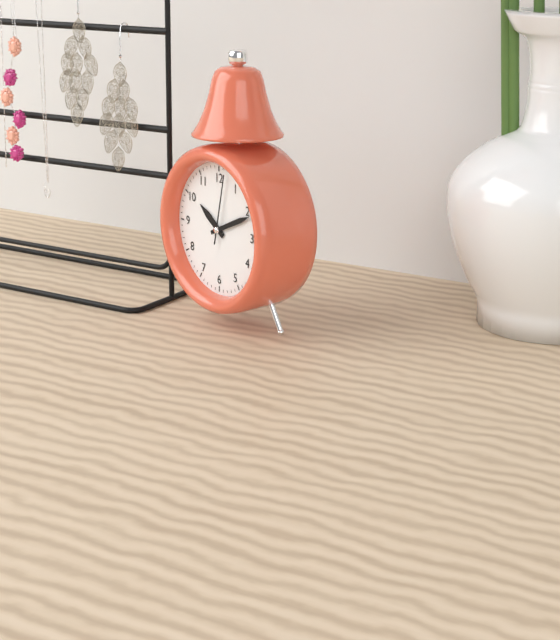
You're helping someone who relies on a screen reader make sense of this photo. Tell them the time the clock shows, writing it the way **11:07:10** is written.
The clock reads **10:11:02**
